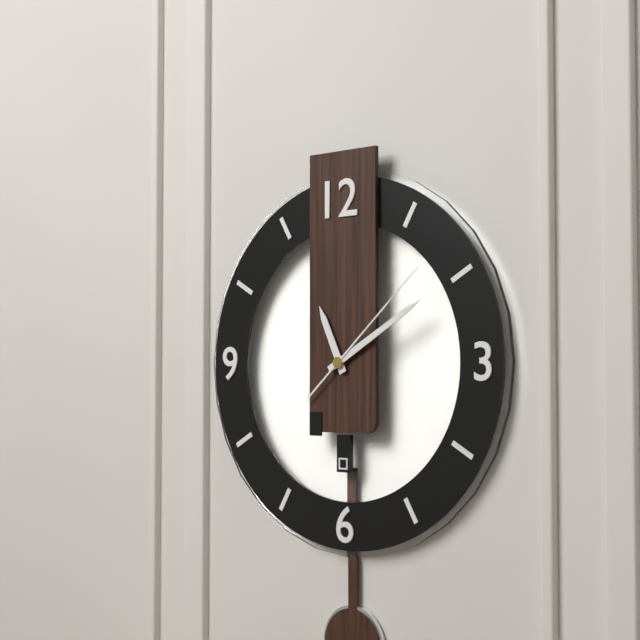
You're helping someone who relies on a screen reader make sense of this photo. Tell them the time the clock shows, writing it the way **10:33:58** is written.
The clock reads **11:10:08**
